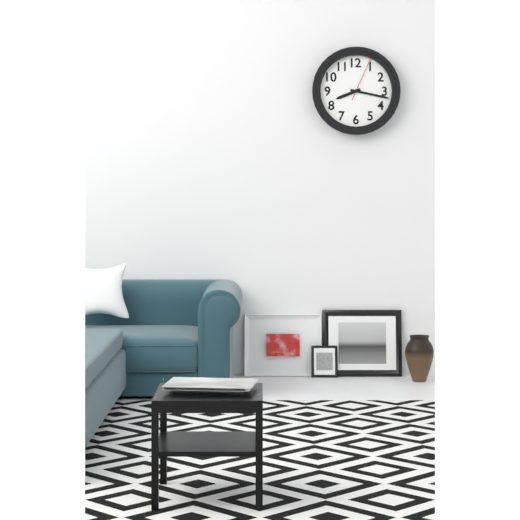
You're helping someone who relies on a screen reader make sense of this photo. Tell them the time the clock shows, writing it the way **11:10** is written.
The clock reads **8:17**
